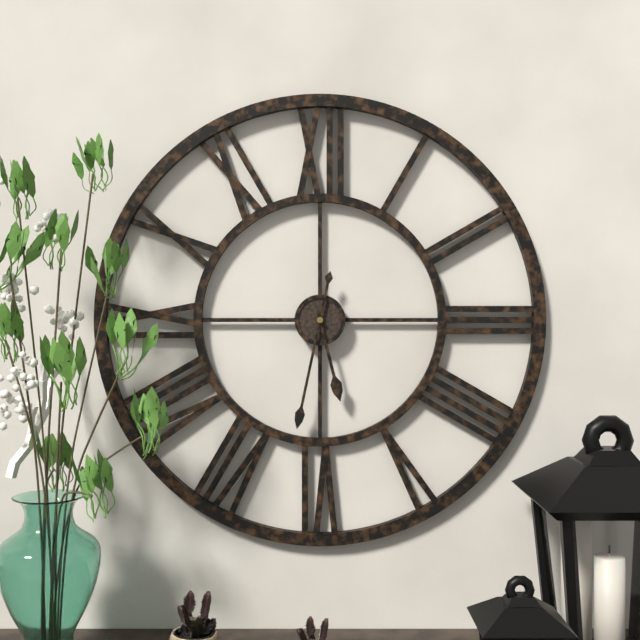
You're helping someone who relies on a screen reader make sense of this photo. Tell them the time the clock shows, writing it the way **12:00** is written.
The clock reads **5:32**
